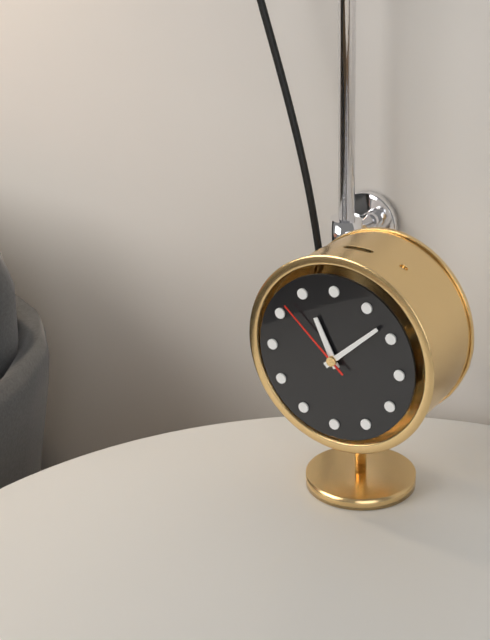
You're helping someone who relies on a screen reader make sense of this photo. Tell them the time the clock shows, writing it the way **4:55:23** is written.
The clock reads **11:08:52**
